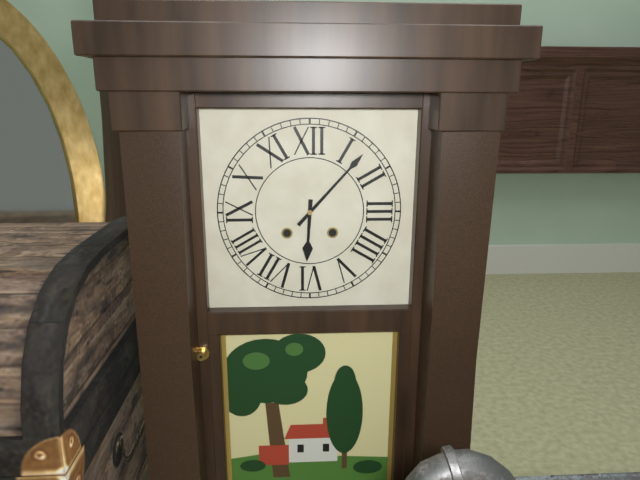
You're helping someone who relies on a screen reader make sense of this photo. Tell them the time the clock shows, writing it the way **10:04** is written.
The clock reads **6:07**
